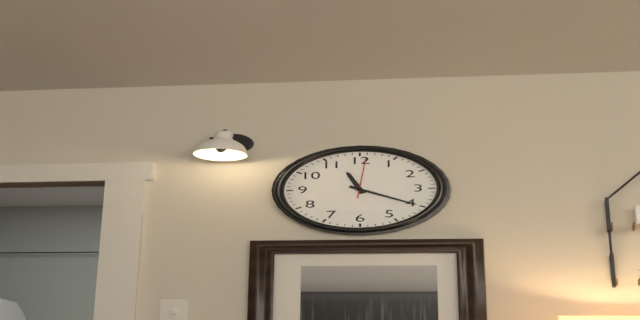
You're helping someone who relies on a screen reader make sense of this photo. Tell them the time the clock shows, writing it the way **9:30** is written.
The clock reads **11:20**
